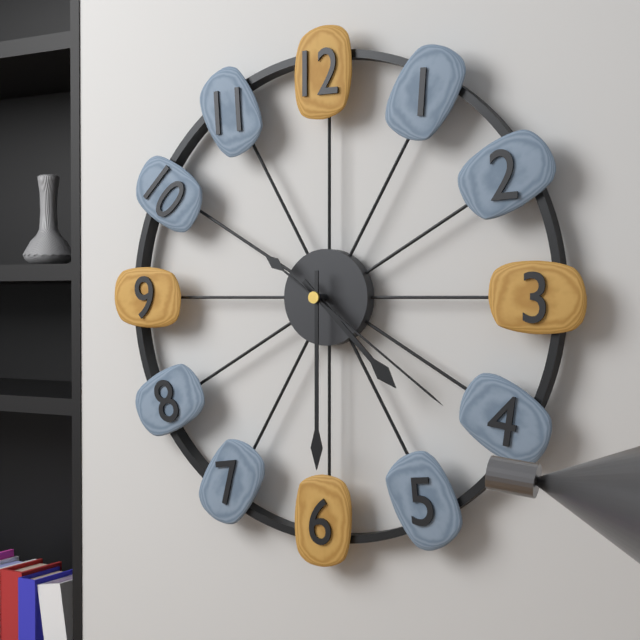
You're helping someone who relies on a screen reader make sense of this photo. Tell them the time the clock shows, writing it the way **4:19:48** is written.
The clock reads **4:30:21**
